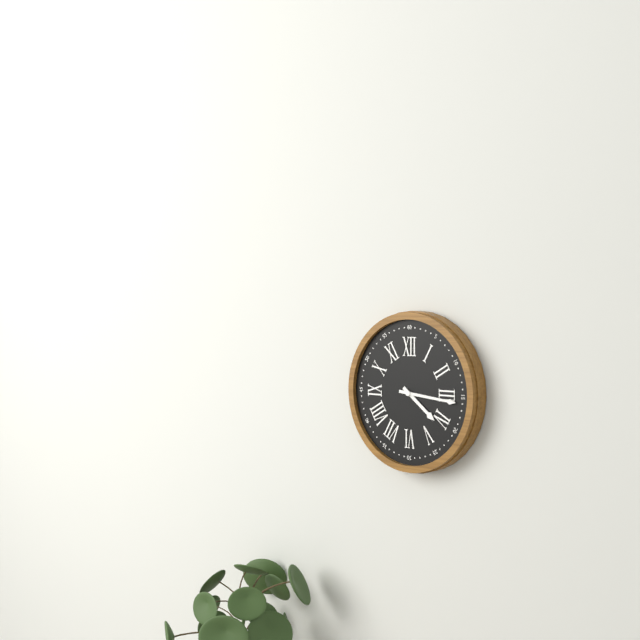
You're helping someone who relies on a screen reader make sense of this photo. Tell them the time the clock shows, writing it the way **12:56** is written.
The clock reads **4:16**
